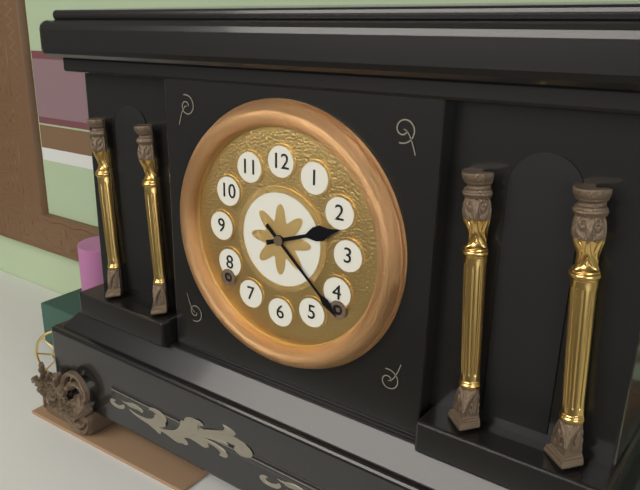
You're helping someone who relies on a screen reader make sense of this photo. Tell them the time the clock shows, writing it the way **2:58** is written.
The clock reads **2:22**
